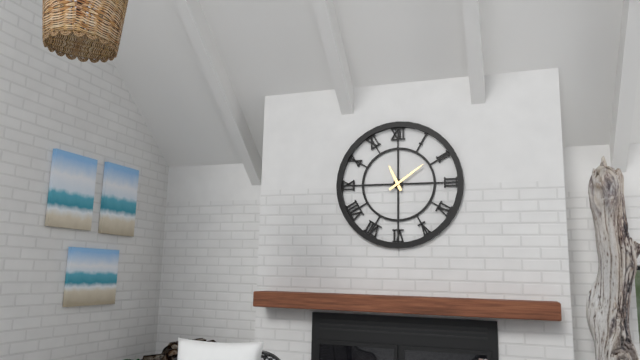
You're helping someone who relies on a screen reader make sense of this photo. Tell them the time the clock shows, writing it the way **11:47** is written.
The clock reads **11:09**
